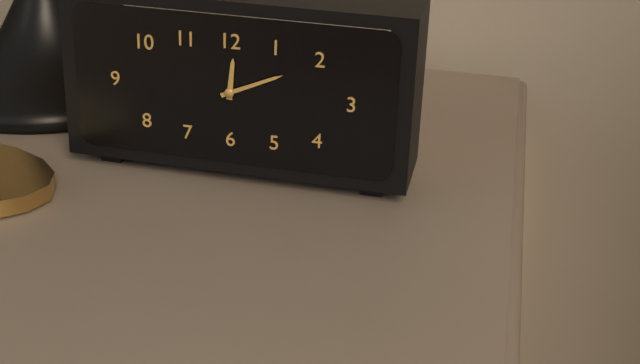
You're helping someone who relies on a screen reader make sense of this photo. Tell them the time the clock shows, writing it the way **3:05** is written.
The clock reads **12:11**
